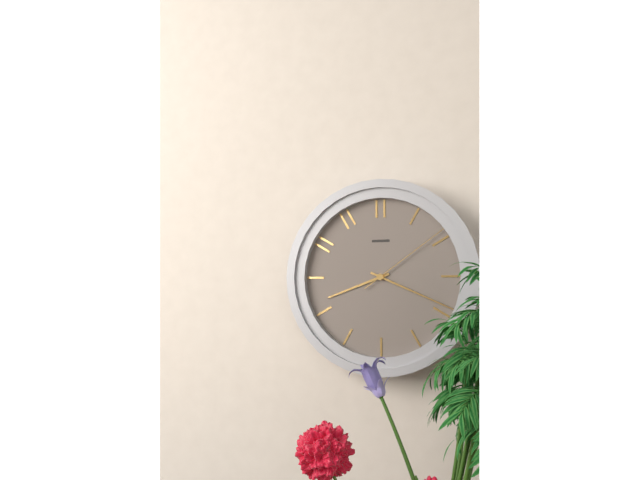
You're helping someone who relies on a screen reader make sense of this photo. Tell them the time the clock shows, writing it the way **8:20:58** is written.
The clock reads **8:19:09**
